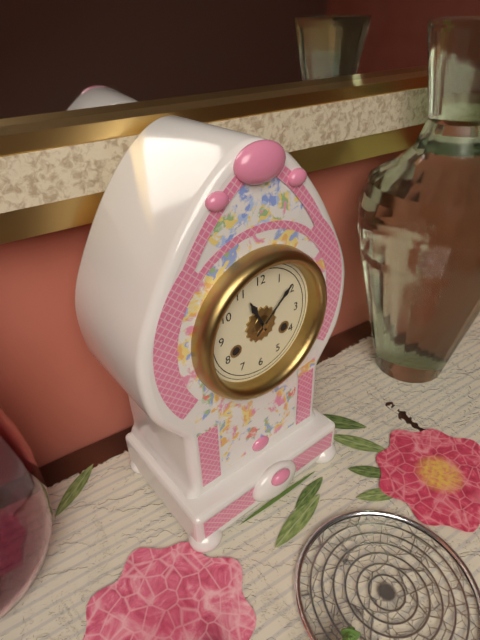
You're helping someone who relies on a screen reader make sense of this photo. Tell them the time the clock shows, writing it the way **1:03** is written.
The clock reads **11:08**
